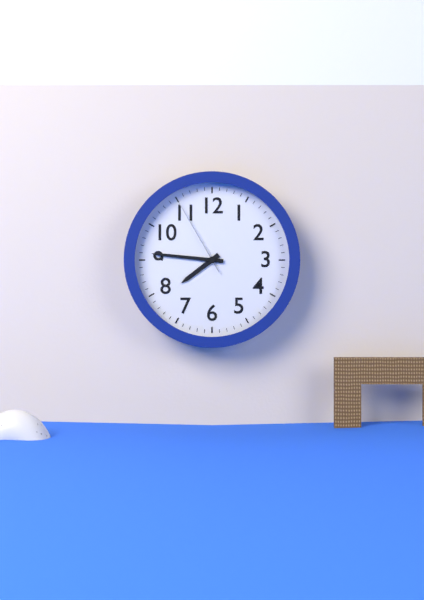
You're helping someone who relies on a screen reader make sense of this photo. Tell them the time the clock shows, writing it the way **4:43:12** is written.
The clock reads **7:46:55**
